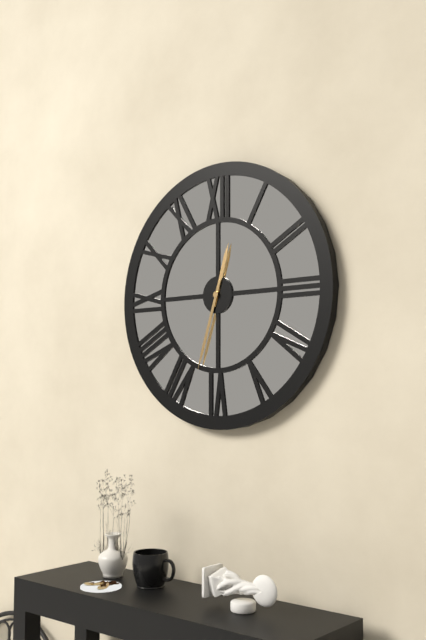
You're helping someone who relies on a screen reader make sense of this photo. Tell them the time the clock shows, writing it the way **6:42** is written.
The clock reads **12:33**
